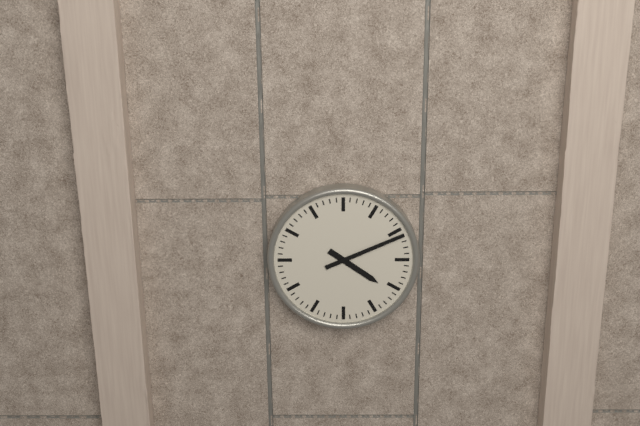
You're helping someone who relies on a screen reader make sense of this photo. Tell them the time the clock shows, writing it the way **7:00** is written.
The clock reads **4:11**
